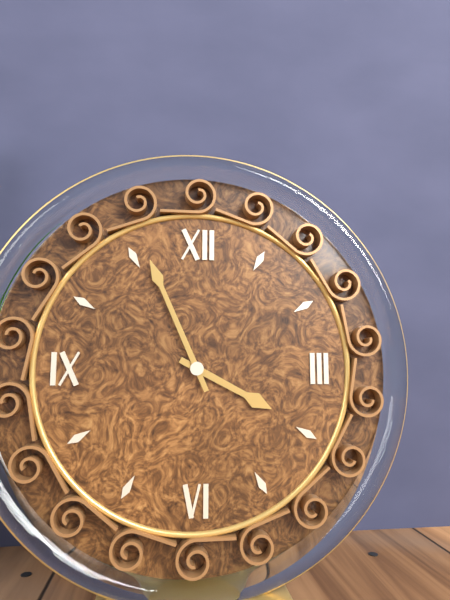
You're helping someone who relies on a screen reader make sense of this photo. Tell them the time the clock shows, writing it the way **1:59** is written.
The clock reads **3:56**
